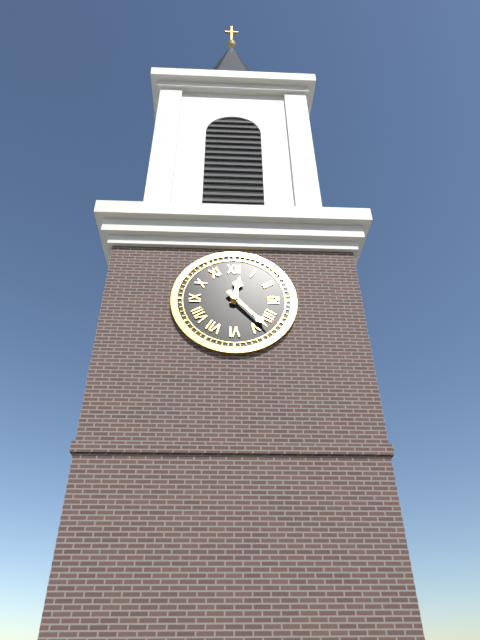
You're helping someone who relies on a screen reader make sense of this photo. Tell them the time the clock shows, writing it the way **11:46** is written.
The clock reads **12:23**
